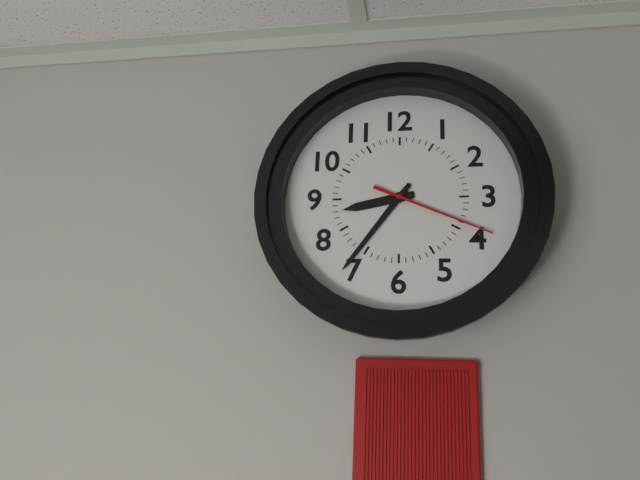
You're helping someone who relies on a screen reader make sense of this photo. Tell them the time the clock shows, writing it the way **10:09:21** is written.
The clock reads **8:36:19**
